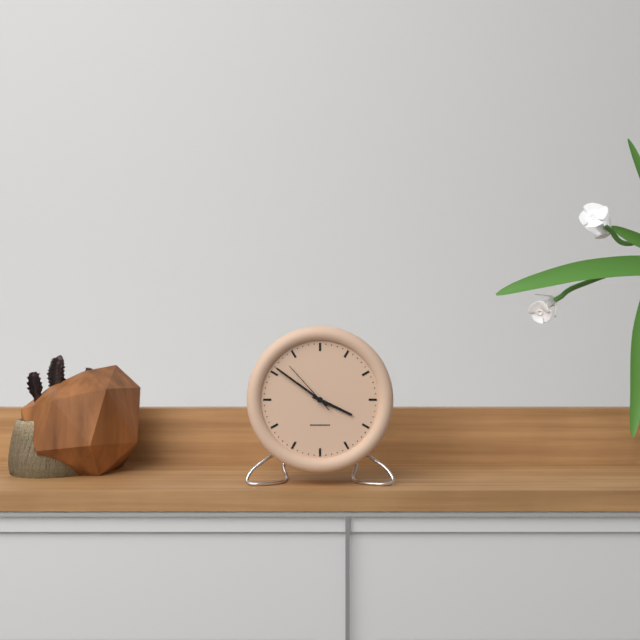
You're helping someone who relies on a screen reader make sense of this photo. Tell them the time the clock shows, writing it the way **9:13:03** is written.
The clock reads **3:51:53**
